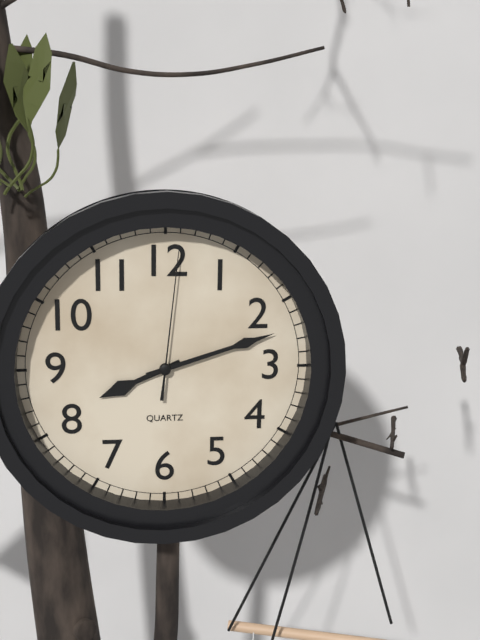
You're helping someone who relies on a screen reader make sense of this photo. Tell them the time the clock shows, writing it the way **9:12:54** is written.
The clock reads **8:12:01**
